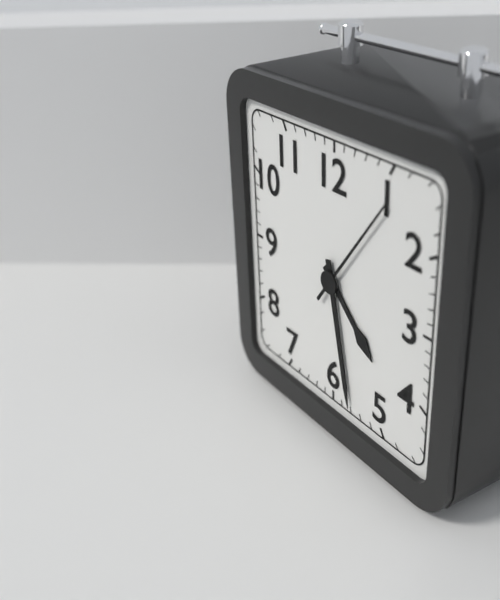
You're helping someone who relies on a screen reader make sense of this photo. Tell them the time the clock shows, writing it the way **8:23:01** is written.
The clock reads **4:28:06**
